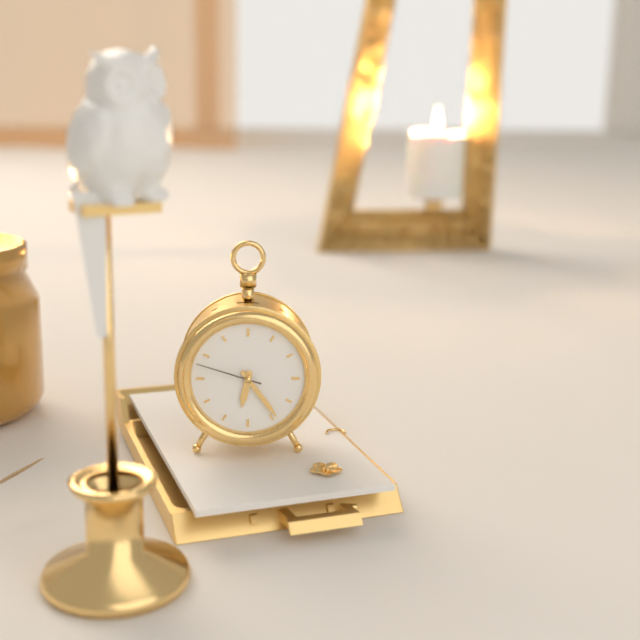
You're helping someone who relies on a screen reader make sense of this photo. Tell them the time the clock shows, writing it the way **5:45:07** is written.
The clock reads **6:24:48**
